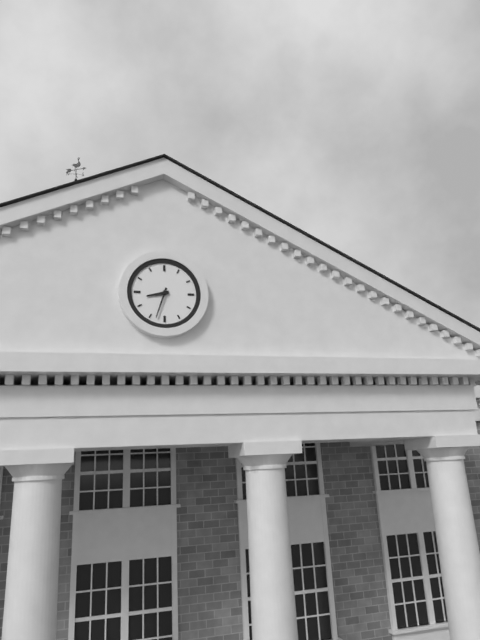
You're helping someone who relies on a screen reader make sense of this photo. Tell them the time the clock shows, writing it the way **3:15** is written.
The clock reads **8:33**
